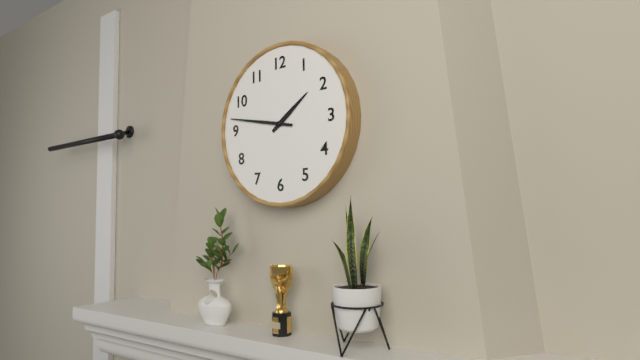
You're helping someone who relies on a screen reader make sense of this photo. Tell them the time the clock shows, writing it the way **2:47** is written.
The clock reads **1:47**
